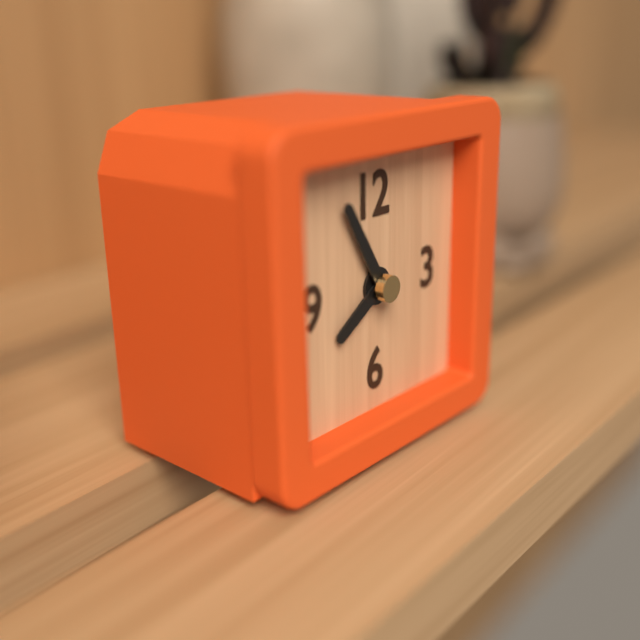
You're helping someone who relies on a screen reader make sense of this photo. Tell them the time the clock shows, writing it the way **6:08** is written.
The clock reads **7:55**
